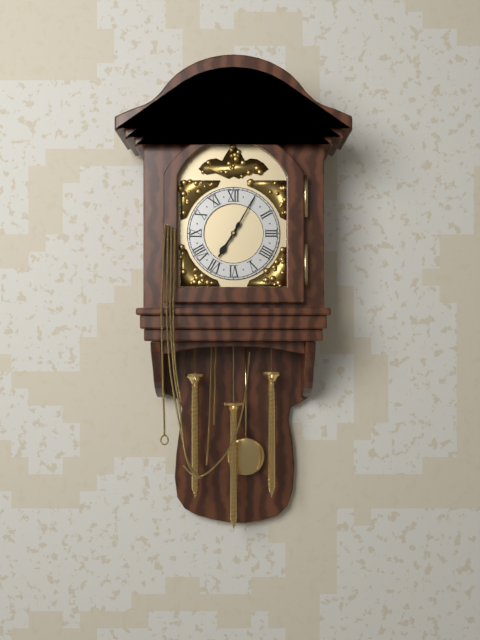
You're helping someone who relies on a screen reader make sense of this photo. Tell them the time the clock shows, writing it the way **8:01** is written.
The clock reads **7:05**
